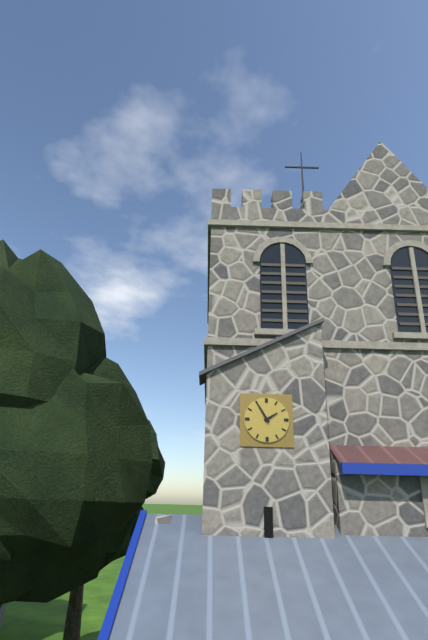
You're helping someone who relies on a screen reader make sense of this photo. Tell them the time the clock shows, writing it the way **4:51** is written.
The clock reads **1:55**
